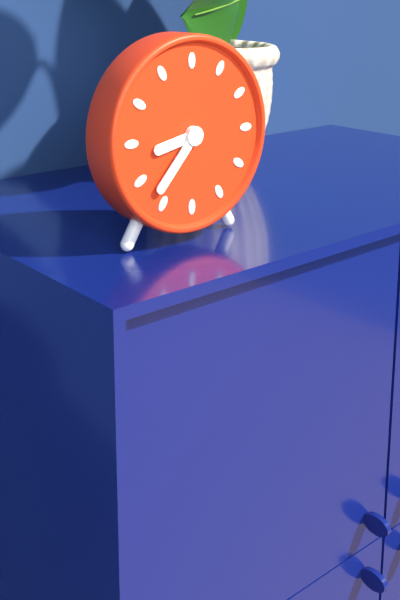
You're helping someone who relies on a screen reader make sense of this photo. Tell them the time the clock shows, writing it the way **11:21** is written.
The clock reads **8:37**
